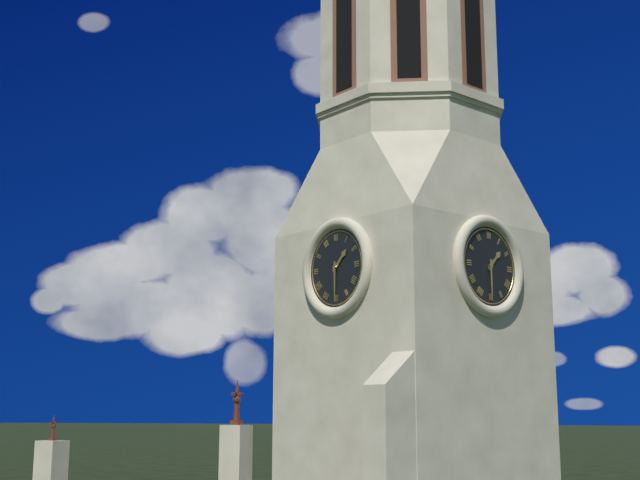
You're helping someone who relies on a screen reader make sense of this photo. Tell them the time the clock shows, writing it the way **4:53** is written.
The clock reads **1:30**
